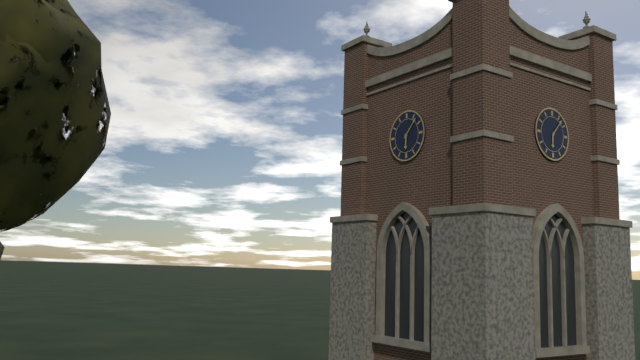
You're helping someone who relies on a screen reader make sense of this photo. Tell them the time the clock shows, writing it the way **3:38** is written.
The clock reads **6:07**
